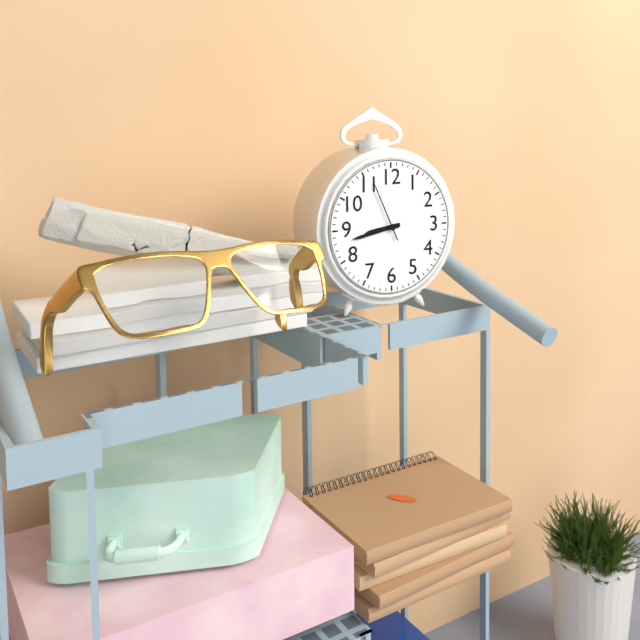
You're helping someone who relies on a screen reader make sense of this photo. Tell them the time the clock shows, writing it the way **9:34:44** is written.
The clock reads **8:43:56**
